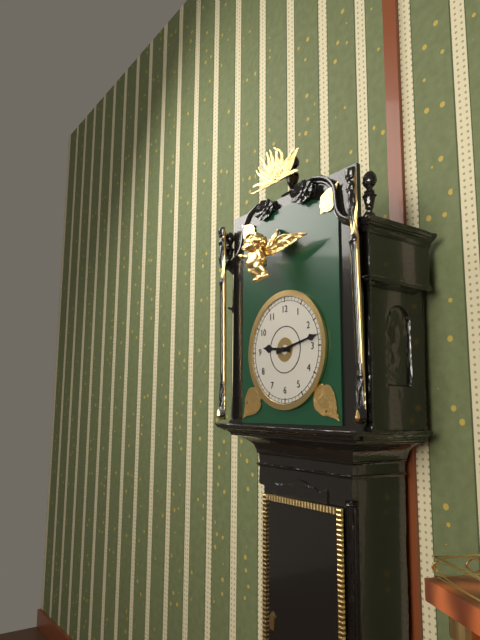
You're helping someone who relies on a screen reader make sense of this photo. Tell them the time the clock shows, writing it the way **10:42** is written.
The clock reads **9:13**
